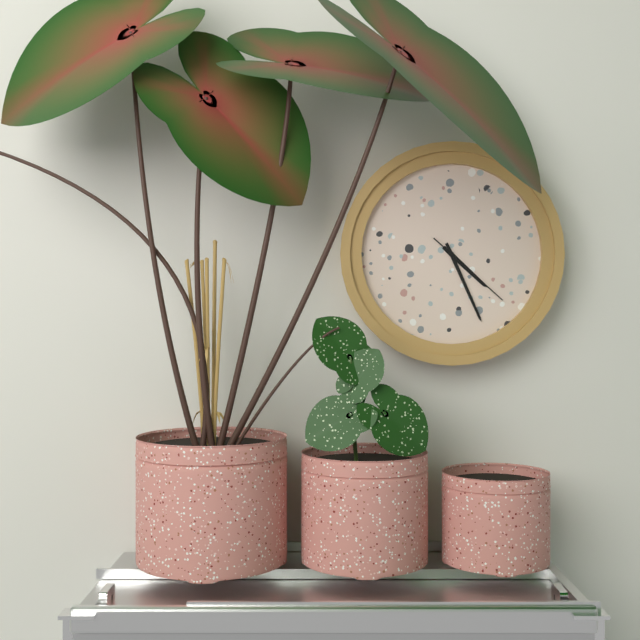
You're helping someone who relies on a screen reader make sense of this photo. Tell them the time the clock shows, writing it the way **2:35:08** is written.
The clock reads **4:26:22**
